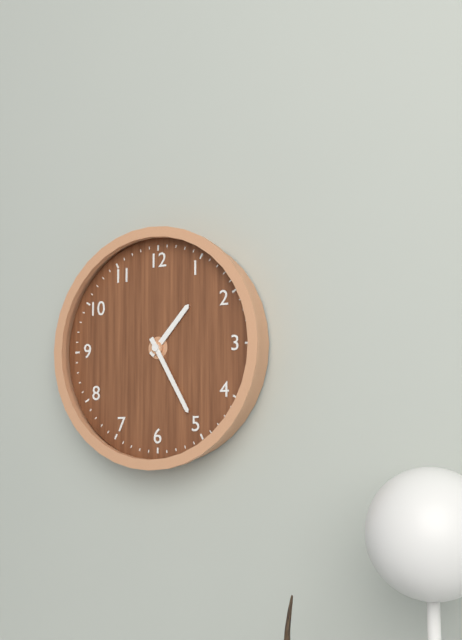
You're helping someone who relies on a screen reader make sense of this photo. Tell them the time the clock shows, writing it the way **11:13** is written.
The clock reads **1:25**
